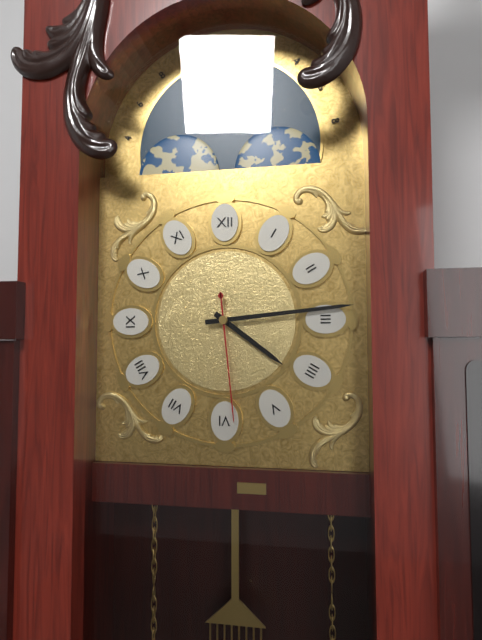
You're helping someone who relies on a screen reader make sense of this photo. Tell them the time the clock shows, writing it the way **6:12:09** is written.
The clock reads **4:14:29**
